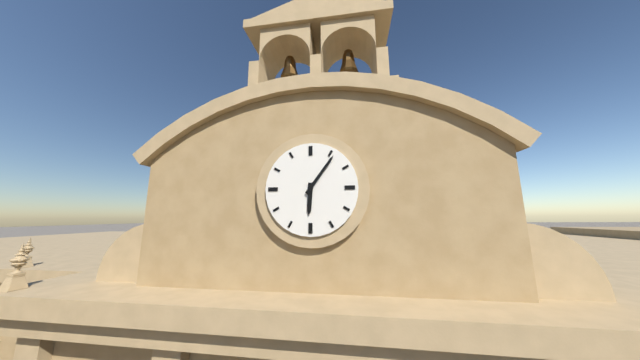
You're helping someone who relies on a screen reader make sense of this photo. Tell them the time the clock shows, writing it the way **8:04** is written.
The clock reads **6:06**
